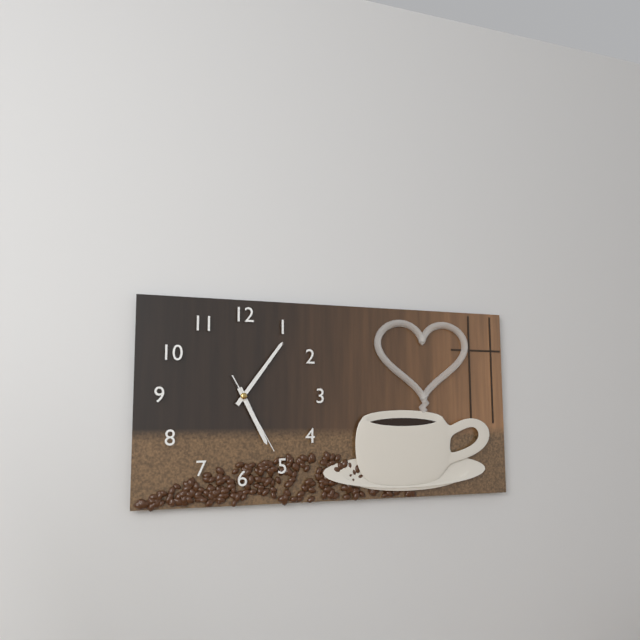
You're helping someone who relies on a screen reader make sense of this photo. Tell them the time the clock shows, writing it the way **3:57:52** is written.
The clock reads **5:06:25**
